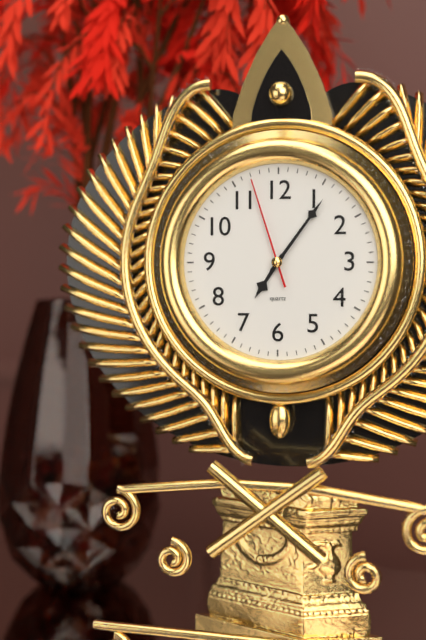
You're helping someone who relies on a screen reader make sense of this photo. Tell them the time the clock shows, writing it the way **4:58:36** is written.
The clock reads **7:06:57**
